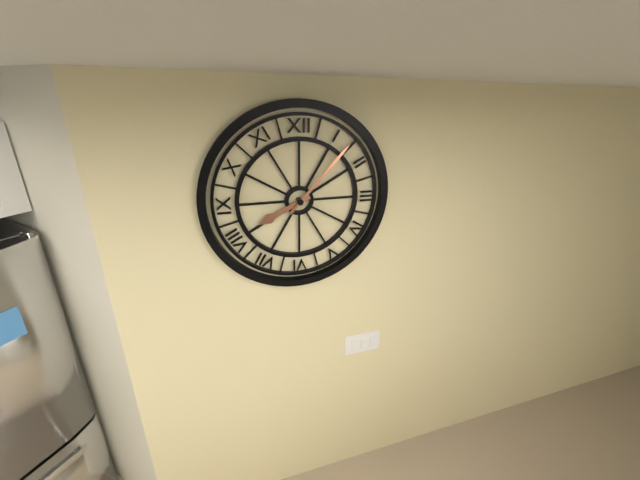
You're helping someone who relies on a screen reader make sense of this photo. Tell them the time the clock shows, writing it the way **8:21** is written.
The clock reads **8:07**
